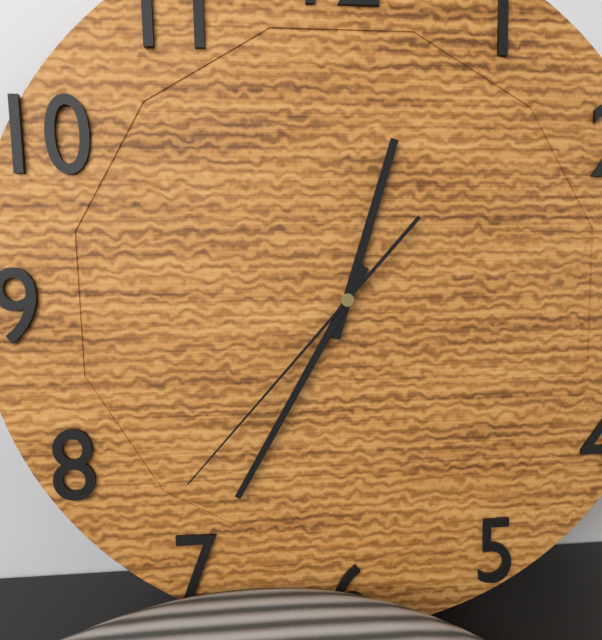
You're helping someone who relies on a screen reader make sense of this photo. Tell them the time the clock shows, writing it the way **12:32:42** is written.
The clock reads **12:35:37**
